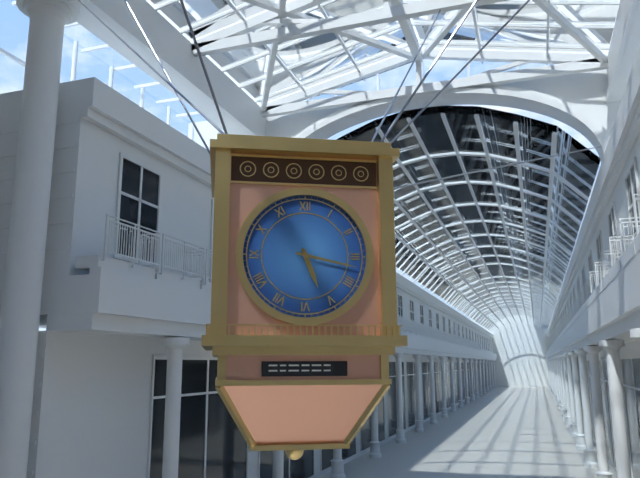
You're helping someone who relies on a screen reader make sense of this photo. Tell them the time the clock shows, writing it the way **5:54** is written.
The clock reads **5:17**
